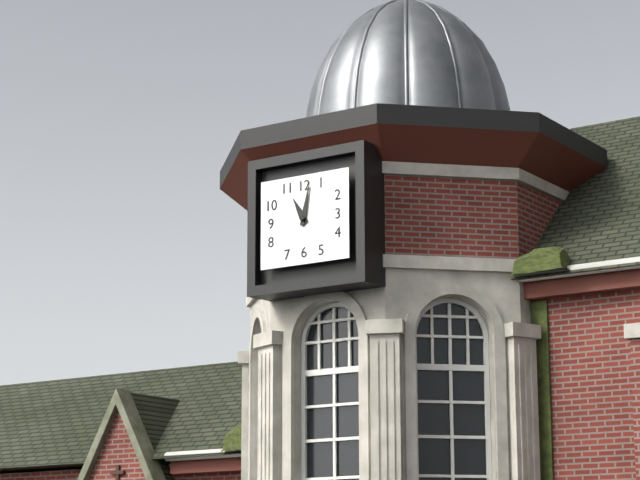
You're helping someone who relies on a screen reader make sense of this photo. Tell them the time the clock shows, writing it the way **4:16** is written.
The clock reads **11:02**
